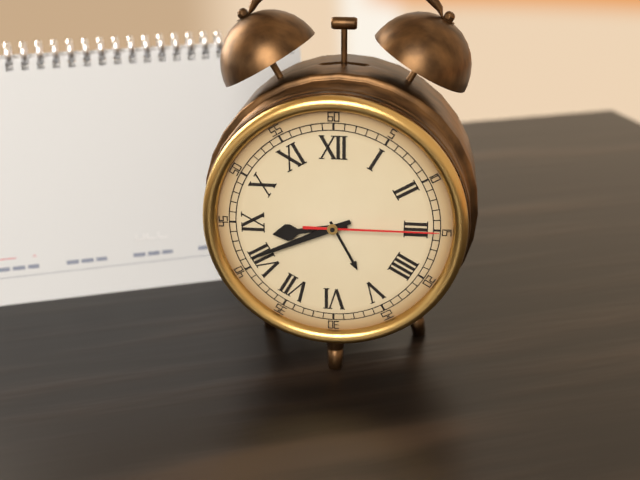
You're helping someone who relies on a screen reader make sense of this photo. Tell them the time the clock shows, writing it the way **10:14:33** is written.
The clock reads **8:41:15**
